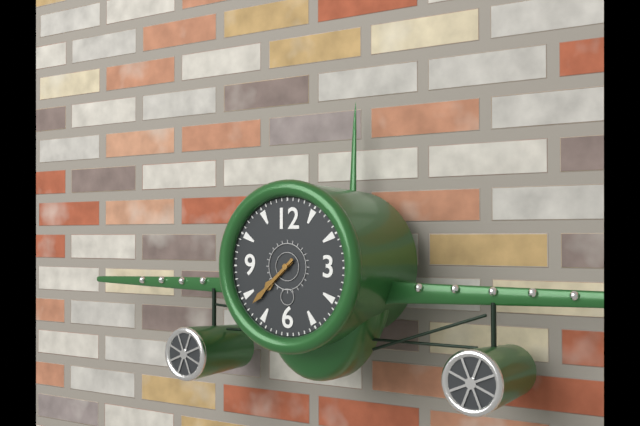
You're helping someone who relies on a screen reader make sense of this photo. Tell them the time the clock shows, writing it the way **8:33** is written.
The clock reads **7:38**
